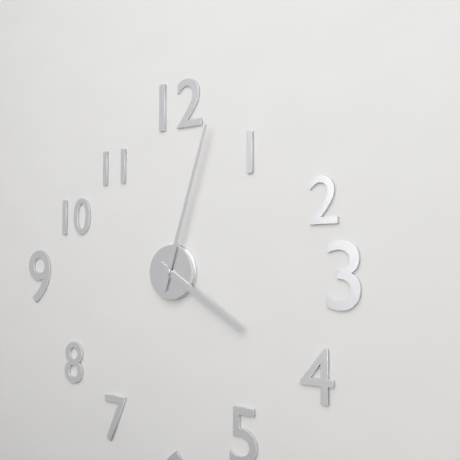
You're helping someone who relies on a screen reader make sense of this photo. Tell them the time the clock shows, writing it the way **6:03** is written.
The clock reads **4:03**
